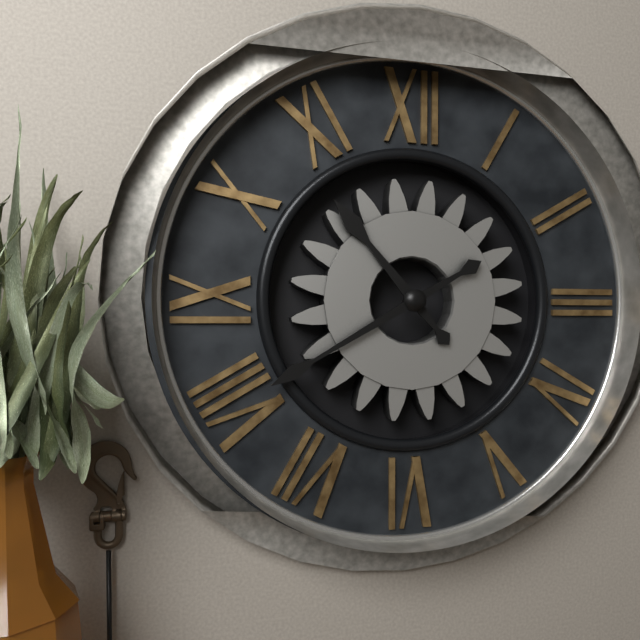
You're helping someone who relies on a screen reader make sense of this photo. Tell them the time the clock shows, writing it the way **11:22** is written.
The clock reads **10:40**
